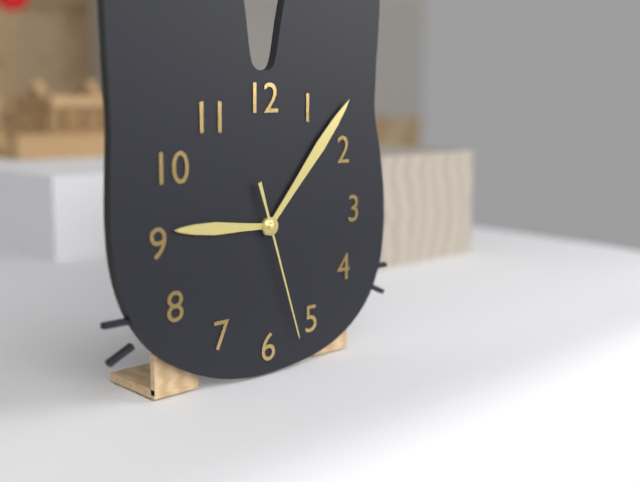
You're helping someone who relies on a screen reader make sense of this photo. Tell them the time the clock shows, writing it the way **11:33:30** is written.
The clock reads **9:07:27**
